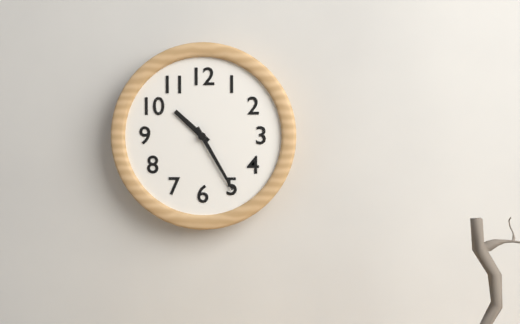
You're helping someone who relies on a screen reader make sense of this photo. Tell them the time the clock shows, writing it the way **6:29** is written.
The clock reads **10:25**
